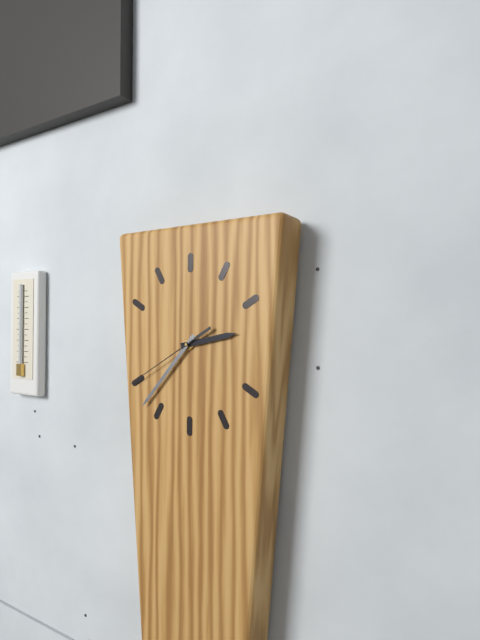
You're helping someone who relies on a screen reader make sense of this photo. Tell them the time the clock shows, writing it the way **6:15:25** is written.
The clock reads **2:37:40**
